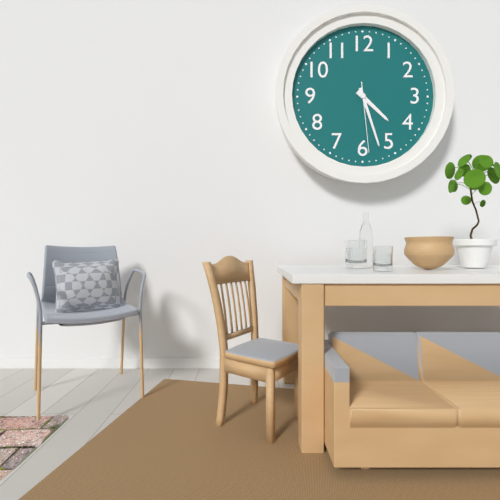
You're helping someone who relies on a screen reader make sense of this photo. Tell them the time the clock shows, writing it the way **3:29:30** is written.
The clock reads **4:27:29**
